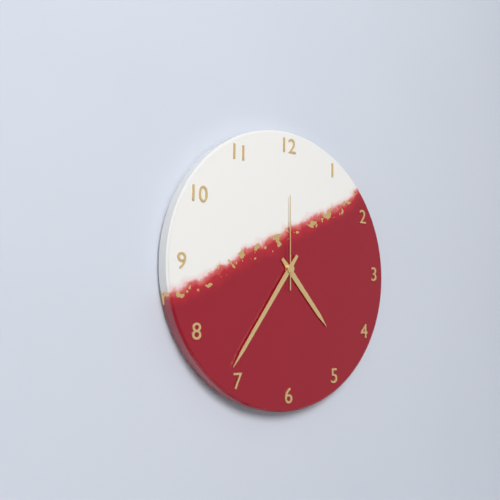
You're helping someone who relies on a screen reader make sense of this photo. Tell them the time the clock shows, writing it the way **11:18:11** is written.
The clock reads **4:36:00**
